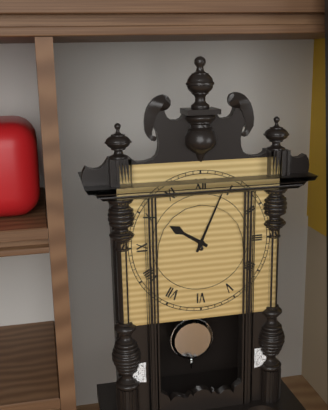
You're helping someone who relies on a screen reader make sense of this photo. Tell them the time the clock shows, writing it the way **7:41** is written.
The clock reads **10:04**
